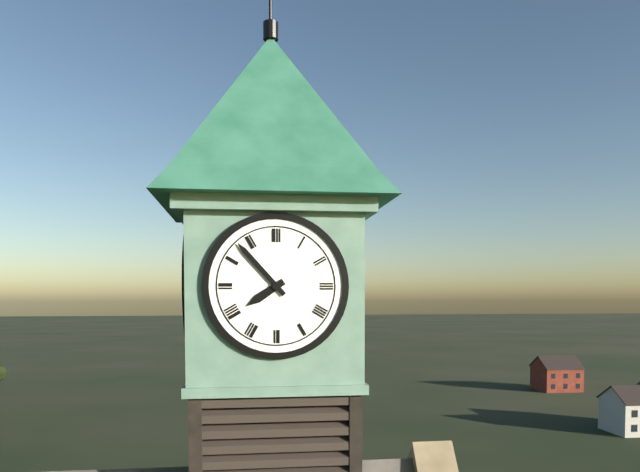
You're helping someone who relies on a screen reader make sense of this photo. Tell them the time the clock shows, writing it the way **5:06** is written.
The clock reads **7:53**
